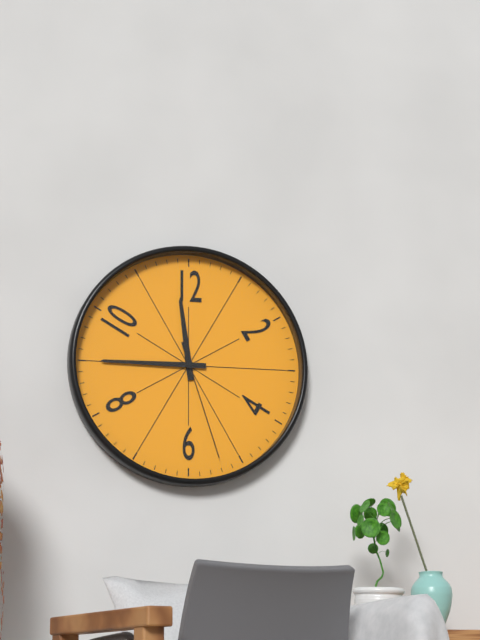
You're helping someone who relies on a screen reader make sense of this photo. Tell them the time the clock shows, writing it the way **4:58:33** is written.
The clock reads **11:45:27**
